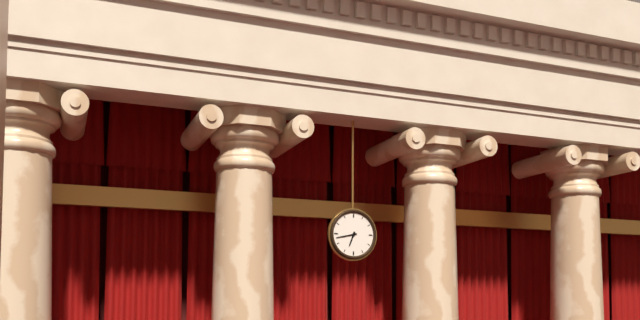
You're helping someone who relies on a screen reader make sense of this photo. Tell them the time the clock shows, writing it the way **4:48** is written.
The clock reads **6:43**
